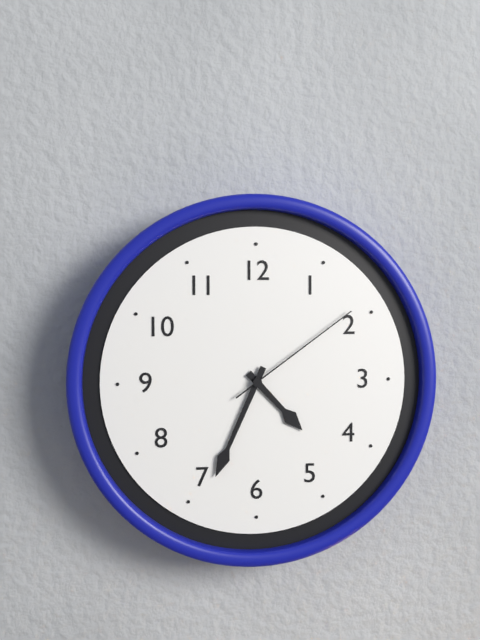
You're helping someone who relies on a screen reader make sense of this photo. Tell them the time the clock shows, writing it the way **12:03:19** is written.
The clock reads **4:34:09**
